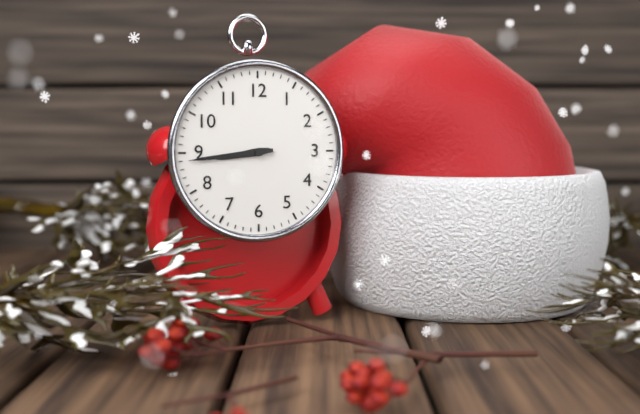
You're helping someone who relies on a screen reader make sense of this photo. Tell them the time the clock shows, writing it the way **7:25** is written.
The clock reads **8:44**
